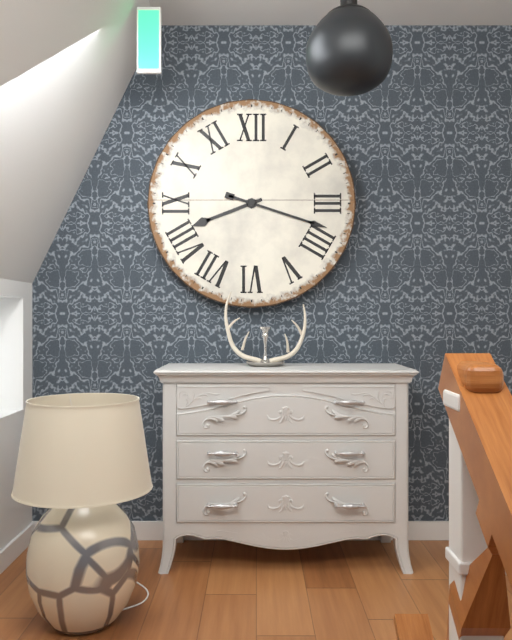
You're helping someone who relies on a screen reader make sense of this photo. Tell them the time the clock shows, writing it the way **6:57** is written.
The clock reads **8:18**
